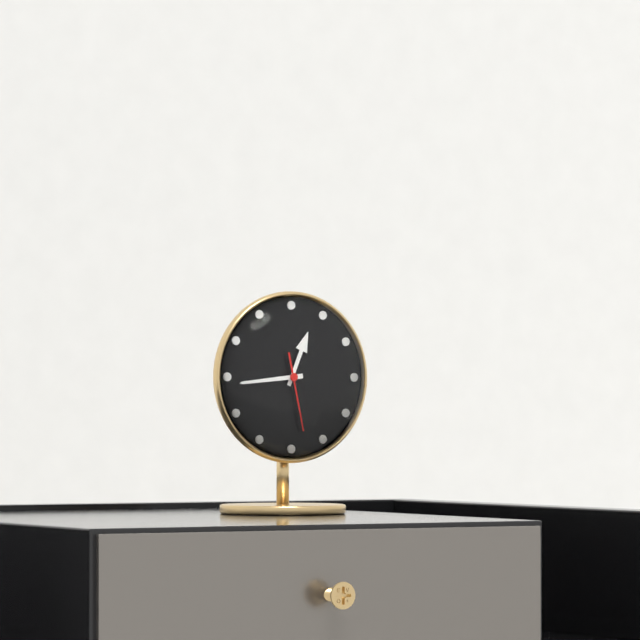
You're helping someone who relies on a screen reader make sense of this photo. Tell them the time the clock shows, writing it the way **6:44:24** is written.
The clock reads **12:44:28**
